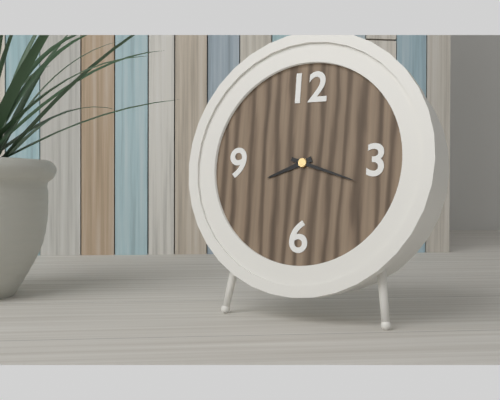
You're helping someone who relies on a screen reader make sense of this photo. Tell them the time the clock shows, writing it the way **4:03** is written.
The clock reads **8:18**
